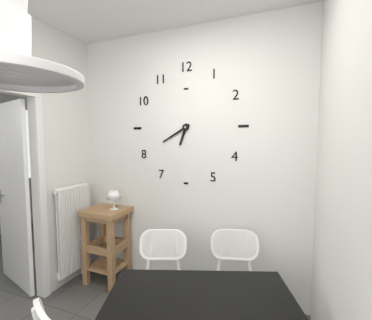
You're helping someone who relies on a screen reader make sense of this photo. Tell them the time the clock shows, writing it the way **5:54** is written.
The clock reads **6:40**
